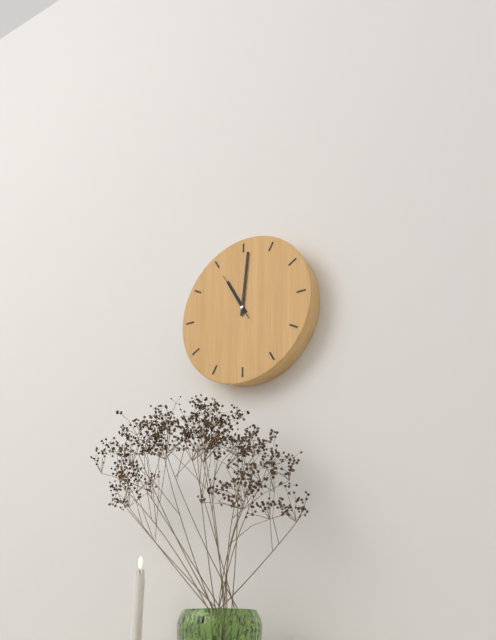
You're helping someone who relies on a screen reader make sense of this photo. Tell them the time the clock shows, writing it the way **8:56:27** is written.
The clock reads **11:01:55**
